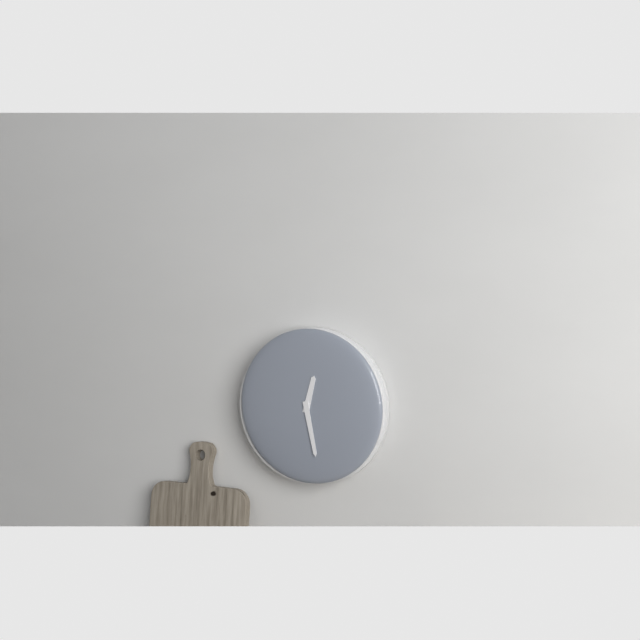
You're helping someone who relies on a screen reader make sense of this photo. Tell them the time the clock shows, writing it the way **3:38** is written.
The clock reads **12:28**
